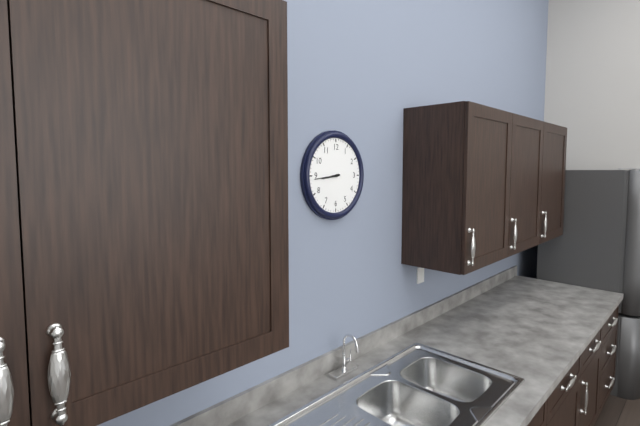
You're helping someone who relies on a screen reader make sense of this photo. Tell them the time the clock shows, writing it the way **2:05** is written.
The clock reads **8:44**
